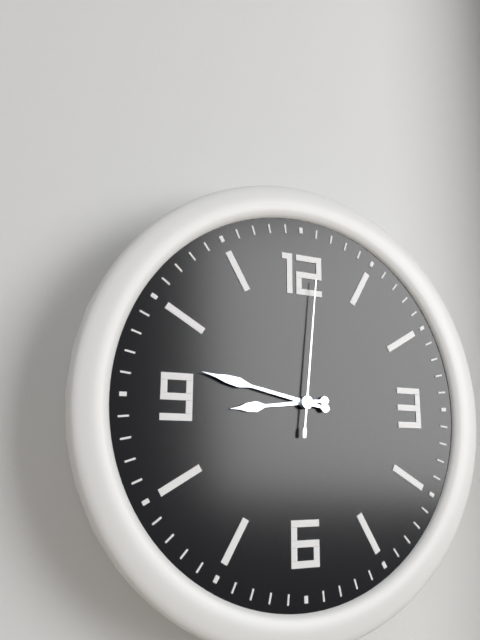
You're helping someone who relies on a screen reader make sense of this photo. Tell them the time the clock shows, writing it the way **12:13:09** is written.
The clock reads **8:47:01**
